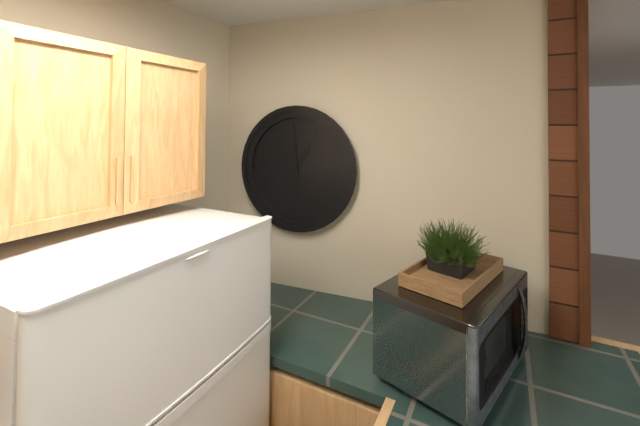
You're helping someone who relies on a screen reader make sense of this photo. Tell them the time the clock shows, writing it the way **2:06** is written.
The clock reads **12:59**
